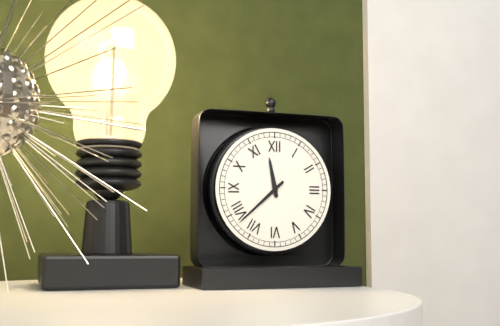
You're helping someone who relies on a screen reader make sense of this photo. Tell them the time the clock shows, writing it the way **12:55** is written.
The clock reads **11:38**
